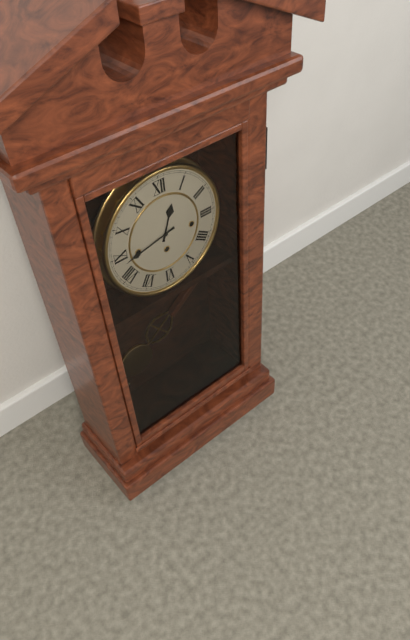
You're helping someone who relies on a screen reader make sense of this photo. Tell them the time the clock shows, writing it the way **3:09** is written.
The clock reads **12:43**
